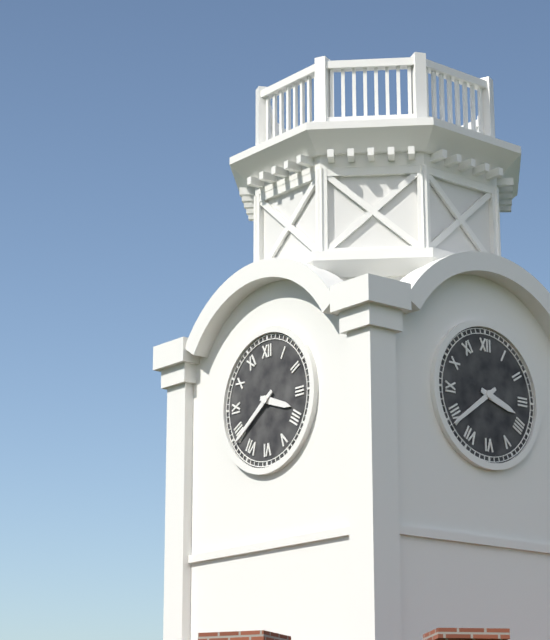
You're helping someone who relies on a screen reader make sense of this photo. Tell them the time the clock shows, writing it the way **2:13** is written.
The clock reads **3:39**
